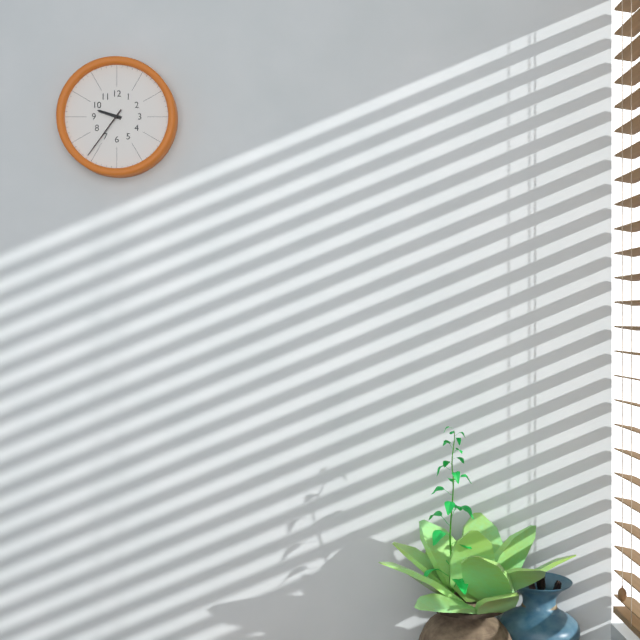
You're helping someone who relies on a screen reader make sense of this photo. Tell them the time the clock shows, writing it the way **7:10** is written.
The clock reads **9:36**
